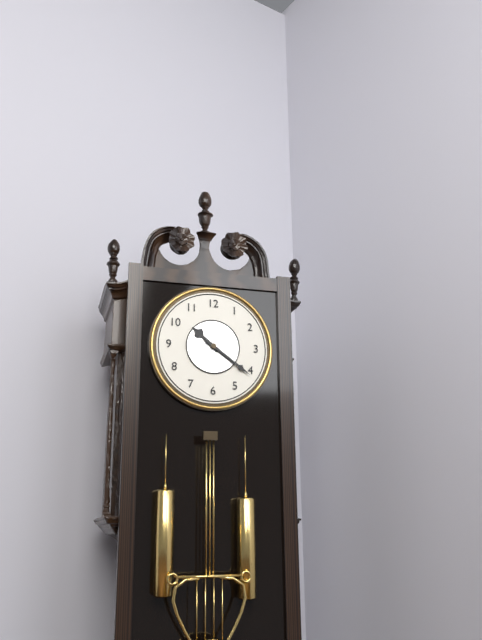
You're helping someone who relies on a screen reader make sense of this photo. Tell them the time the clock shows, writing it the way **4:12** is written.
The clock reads **10:21**
